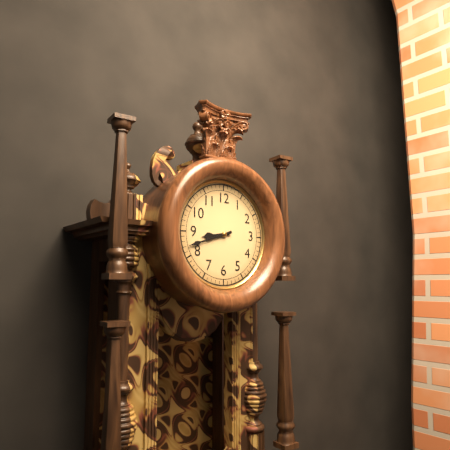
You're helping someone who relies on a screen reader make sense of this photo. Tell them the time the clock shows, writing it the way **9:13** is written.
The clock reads **8:42**
